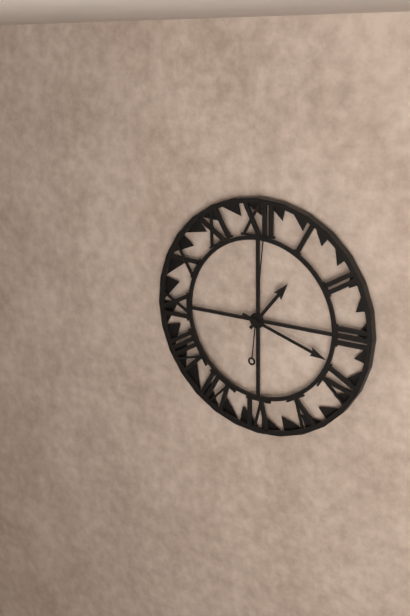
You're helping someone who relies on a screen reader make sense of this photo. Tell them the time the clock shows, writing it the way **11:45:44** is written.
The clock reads **1:18:01**
